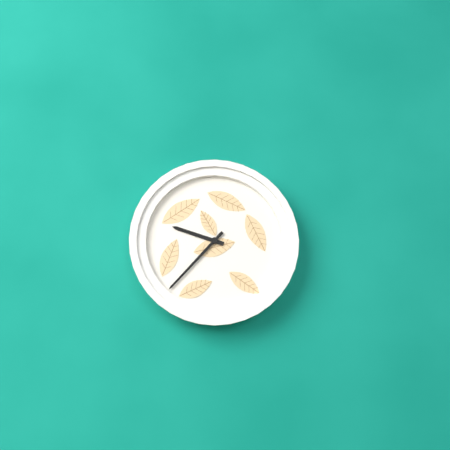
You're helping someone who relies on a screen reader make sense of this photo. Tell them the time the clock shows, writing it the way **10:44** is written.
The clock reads **9:37**
